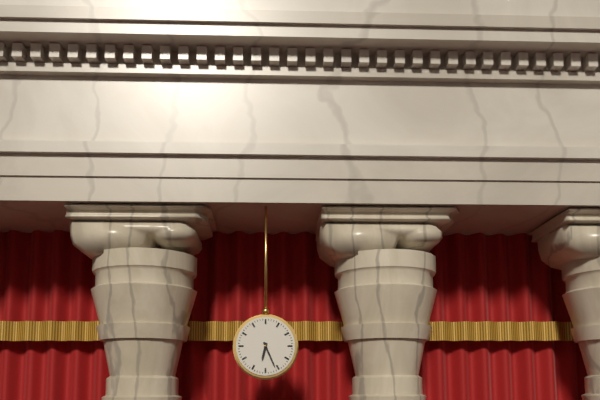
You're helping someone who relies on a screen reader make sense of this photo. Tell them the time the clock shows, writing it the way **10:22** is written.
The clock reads **6:26**
